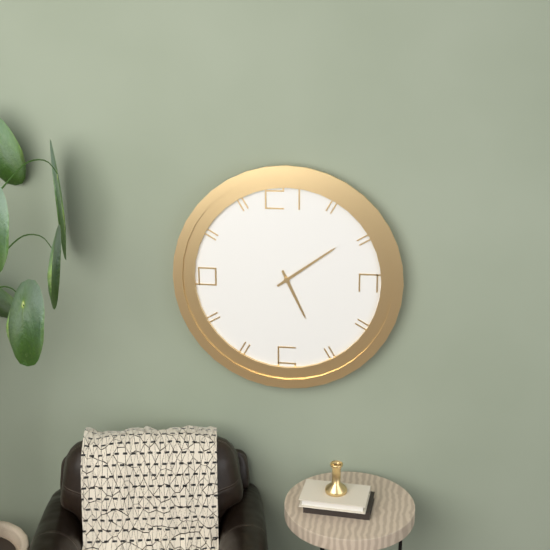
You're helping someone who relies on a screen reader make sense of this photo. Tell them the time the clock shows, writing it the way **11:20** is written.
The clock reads **5:09**
